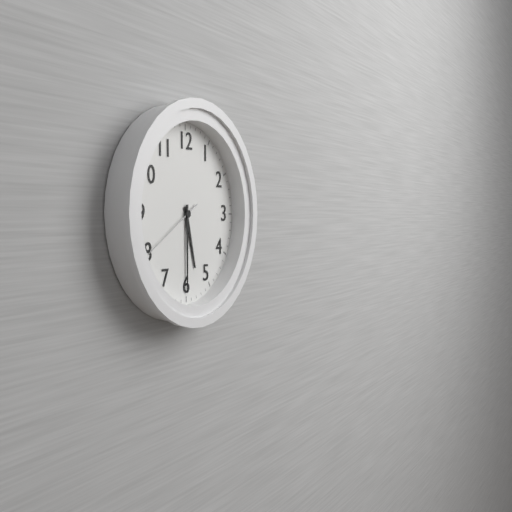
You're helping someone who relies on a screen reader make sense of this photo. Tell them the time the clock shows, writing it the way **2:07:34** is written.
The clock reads **5:30:40**
